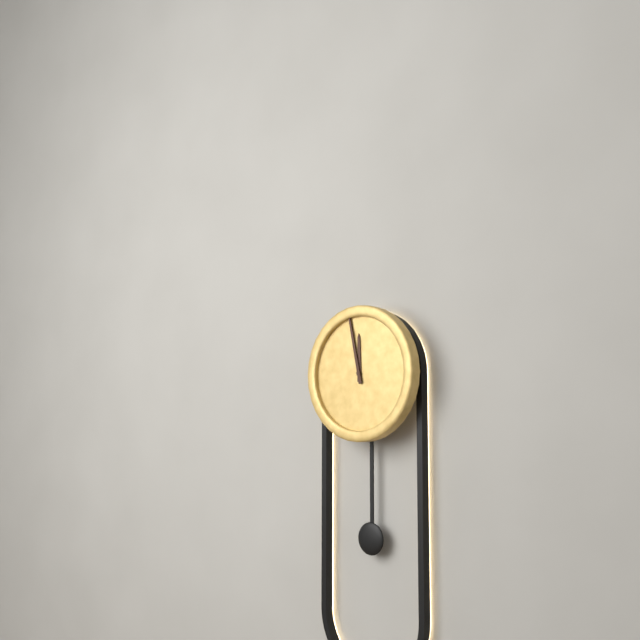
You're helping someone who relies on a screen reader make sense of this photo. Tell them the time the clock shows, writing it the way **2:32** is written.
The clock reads **11:58**
